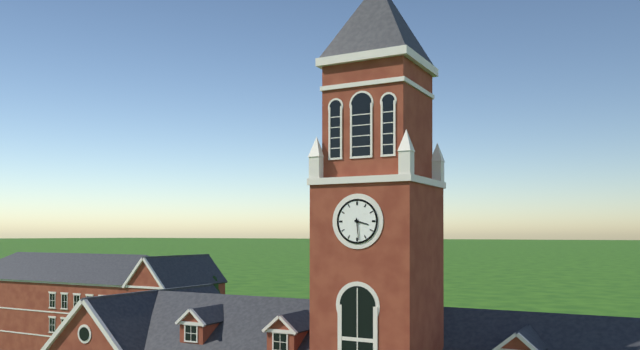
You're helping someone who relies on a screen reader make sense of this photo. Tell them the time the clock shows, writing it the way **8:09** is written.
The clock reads **3:29**
